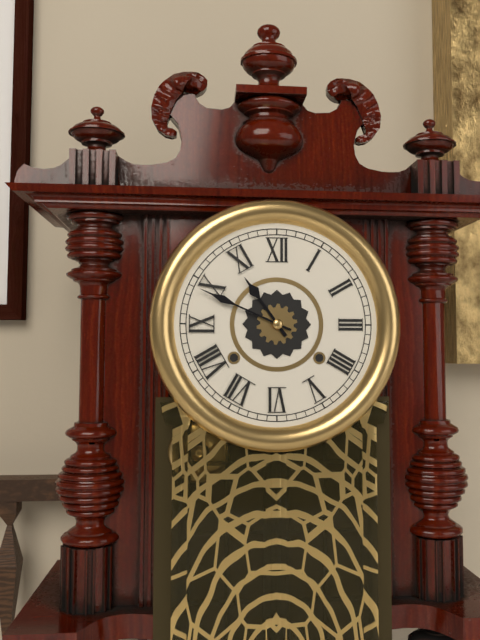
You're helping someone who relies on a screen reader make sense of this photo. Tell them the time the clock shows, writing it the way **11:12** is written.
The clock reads **10:49**
